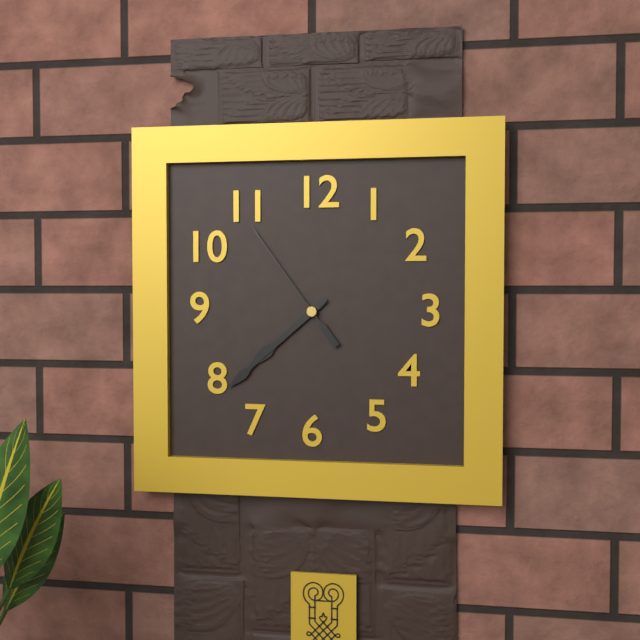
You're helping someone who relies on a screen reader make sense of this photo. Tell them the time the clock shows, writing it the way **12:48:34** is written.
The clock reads **7:38:54**
